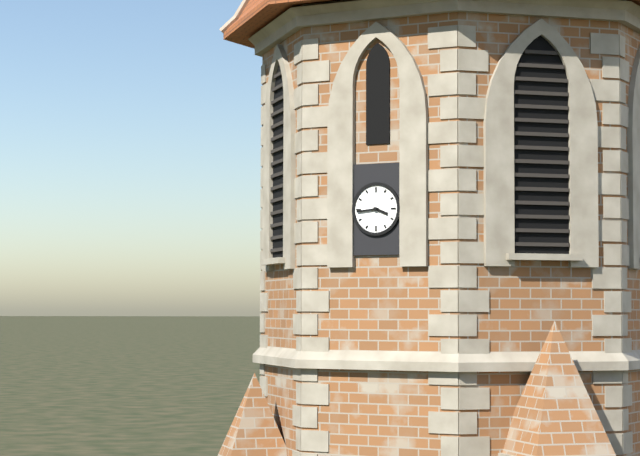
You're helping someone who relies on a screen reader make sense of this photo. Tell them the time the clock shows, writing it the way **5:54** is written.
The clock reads **3:44**
